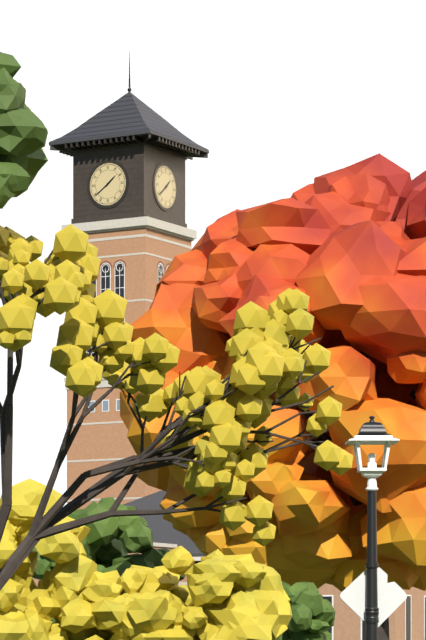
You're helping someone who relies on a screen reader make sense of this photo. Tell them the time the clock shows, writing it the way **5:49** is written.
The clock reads **1:39**
